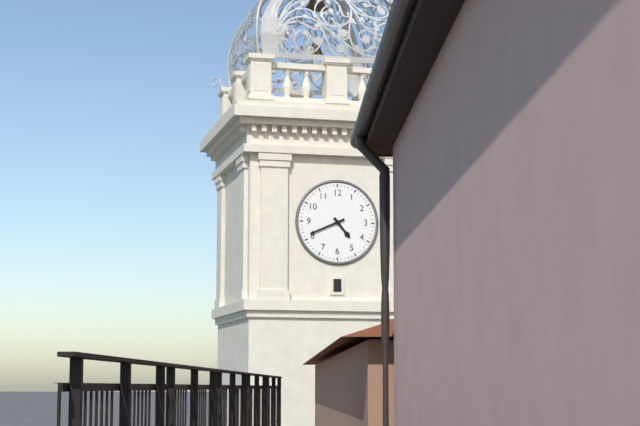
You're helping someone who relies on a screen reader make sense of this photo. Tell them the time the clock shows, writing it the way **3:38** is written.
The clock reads **4:41**
